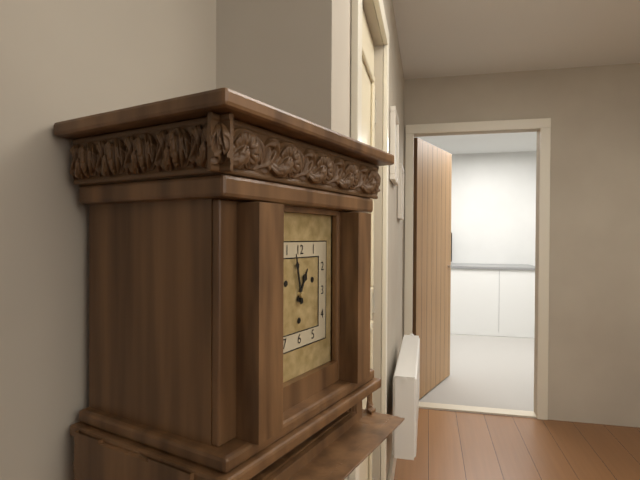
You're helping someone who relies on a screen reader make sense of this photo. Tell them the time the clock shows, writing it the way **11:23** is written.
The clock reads **12:58**
